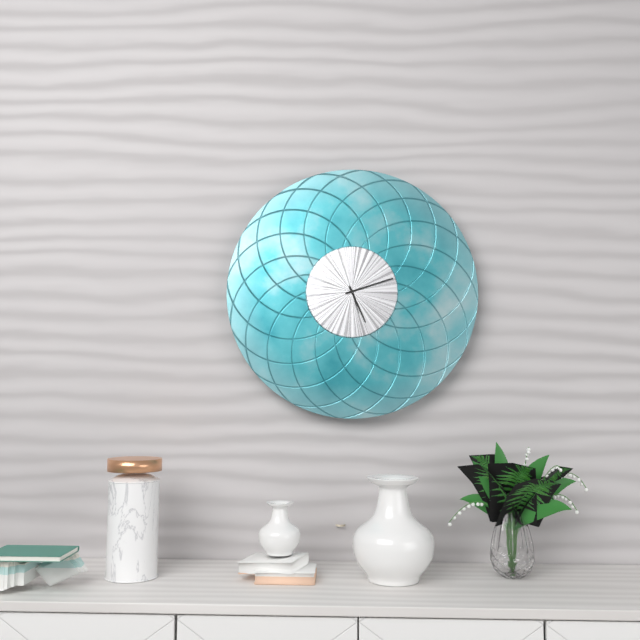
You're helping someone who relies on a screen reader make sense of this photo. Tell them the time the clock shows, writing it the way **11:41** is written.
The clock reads **5:12**
